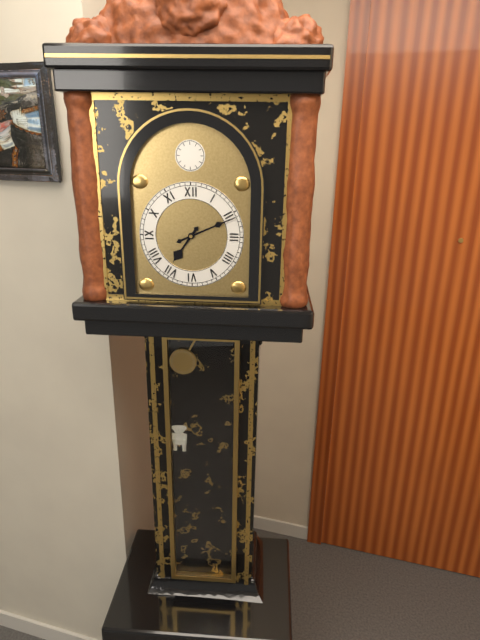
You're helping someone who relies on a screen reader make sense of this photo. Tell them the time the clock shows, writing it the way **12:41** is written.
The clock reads **7:11**
